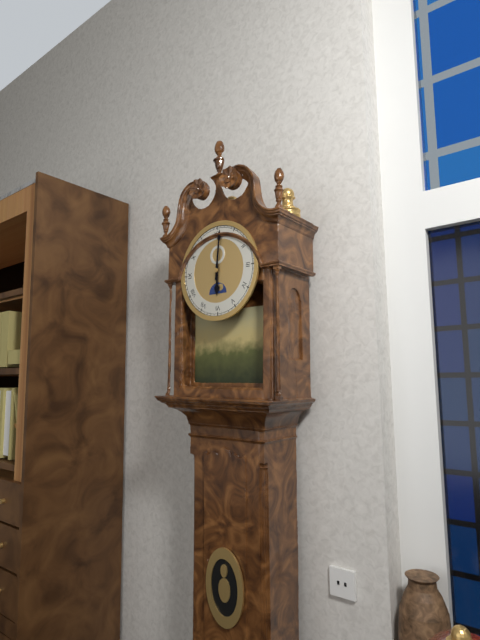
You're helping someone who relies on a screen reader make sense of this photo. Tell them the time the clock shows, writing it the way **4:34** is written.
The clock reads **6:01**
